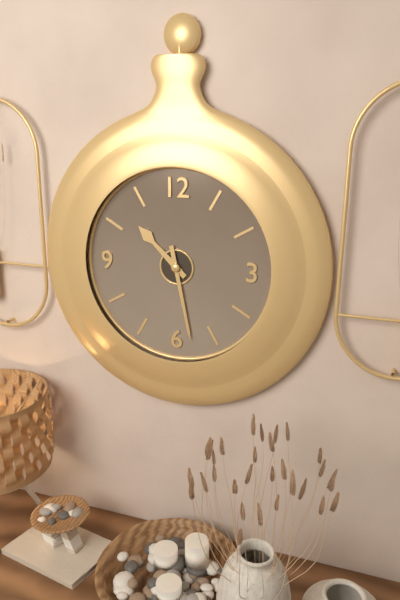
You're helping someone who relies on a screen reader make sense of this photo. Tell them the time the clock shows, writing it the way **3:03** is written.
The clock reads **10:28**
